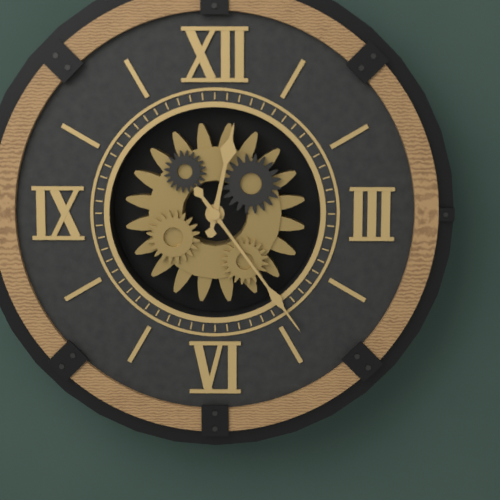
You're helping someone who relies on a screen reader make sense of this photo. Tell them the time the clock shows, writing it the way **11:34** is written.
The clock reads **12:24**
